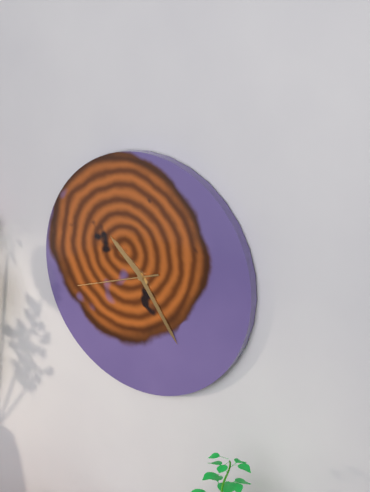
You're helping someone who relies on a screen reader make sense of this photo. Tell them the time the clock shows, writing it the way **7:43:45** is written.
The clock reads **10:24:42**
